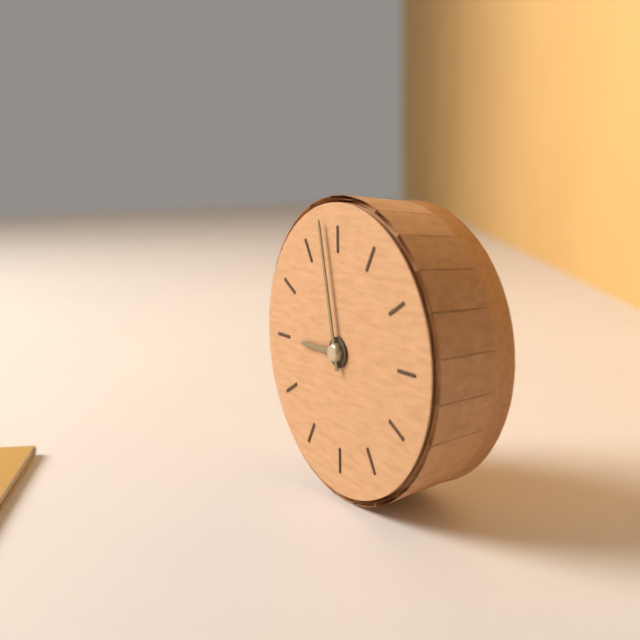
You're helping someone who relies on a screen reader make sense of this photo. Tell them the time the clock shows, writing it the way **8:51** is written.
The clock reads **8:58**
